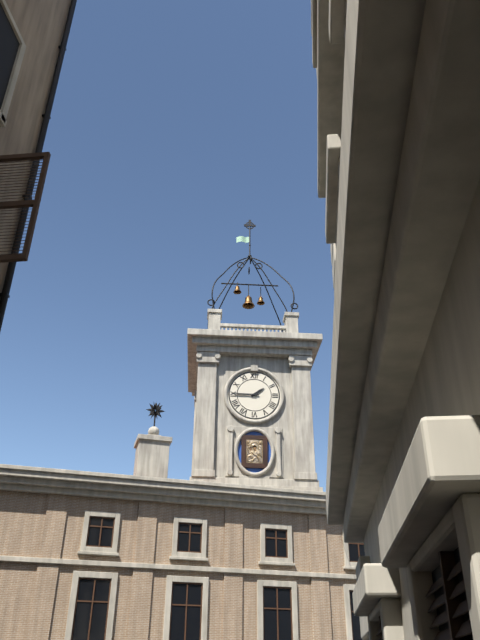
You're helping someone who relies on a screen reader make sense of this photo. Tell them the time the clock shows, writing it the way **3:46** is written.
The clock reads **1:45**
